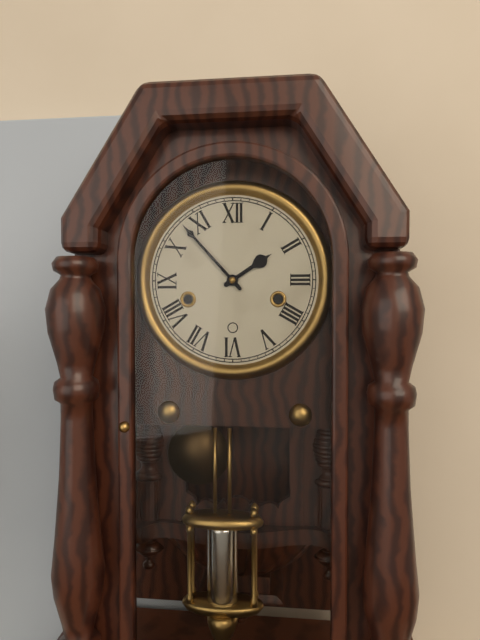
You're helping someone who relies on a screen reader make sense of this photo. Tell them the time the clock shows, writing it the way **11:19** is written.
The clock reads **1:53**
